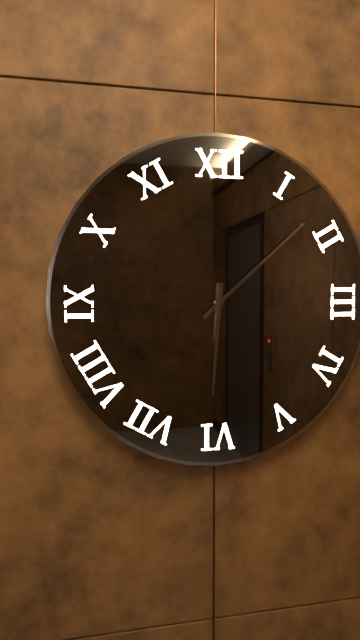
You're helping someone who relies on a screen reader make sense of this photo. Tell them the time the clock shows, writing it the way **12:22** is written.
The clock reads **6:08**
